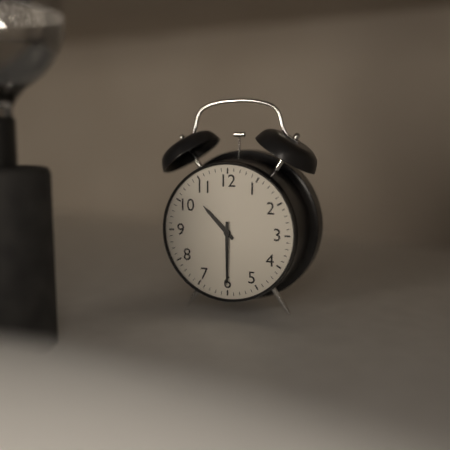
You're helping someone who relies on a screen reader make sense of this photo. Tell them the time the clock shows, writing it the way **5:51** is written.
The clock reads **10:30**
